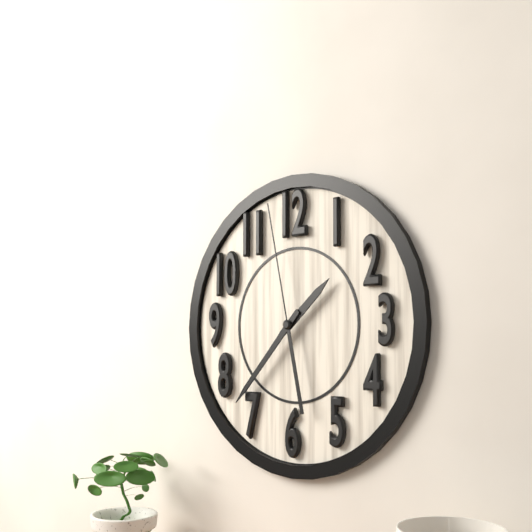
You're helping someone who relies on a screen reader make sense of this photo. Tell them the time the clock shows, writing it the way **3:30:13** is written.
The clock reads **1:37:58**
